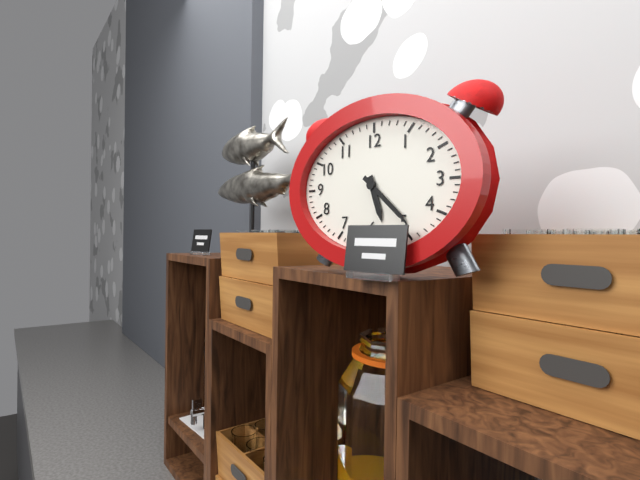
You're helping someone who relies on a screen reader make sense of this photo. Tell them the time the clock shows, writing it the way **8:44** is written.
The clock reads **5:22**
